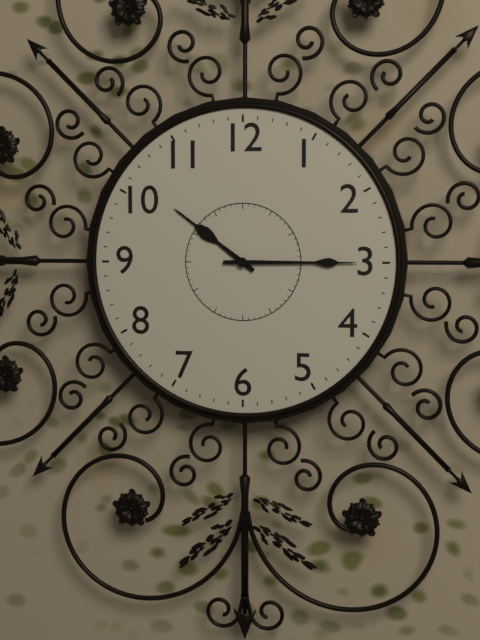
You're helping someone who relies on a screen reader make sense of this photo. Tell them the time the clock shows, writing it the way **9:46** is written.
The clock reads **10:15**
